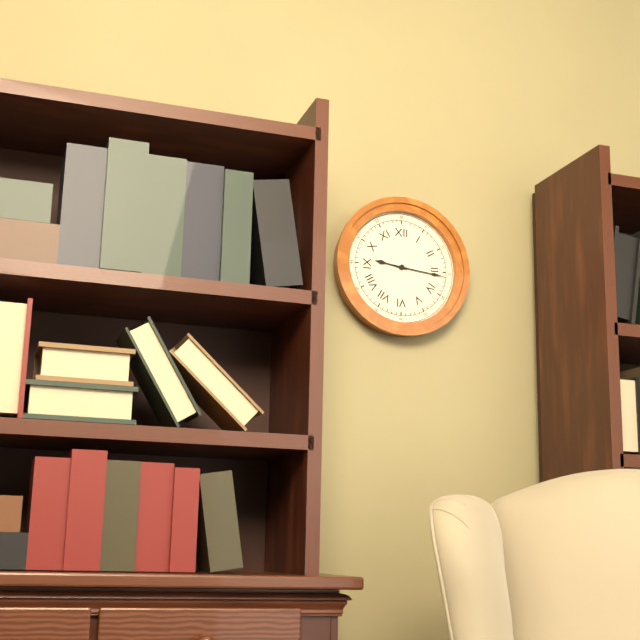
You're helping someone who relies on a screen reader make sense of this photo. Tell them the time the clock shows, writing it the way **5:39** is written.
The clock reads **9:16**
